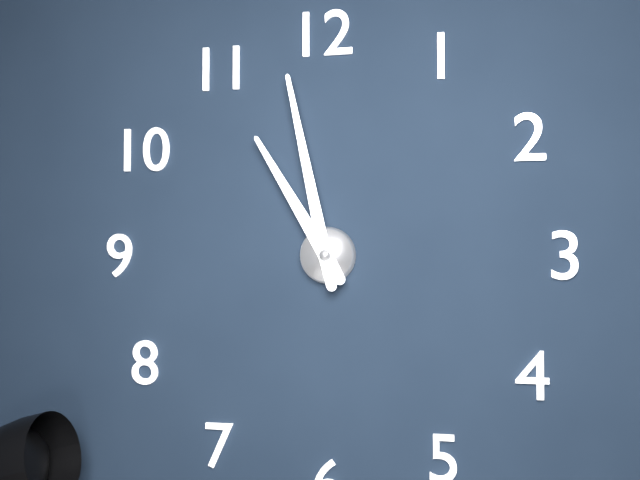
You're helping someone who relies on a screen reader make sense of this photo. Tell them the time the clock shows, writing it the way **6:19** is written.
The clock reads **10:58**
